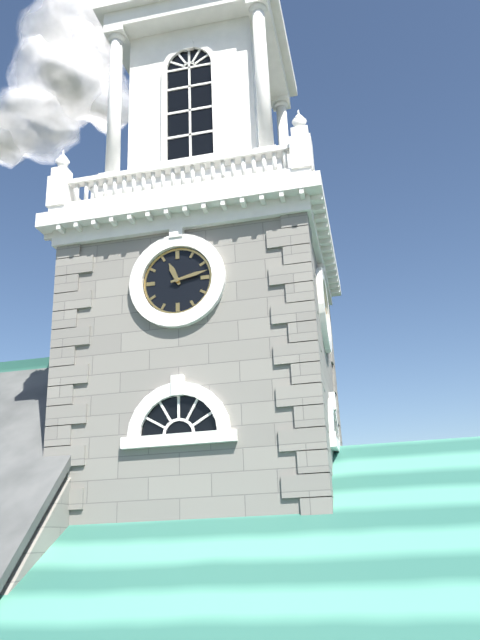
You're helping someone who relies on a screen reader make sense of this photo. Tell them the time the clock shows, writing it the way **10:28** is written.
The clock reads **11:13**
